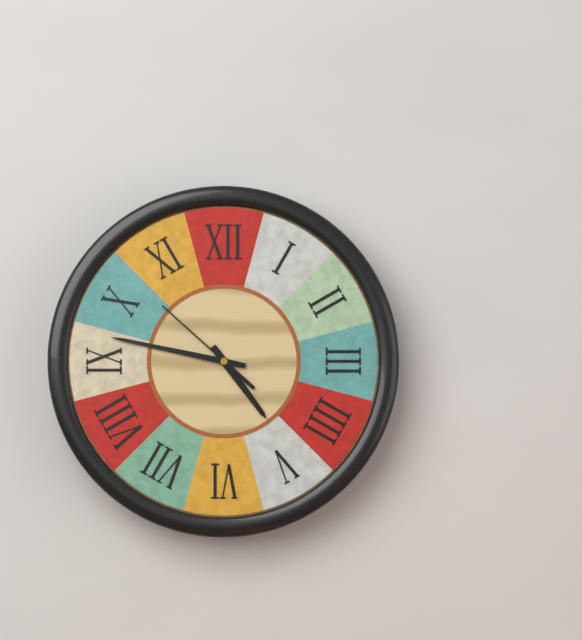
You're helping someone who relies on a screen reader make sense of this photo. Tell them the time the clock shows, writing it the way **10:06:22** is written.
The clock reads **4:47:52**
